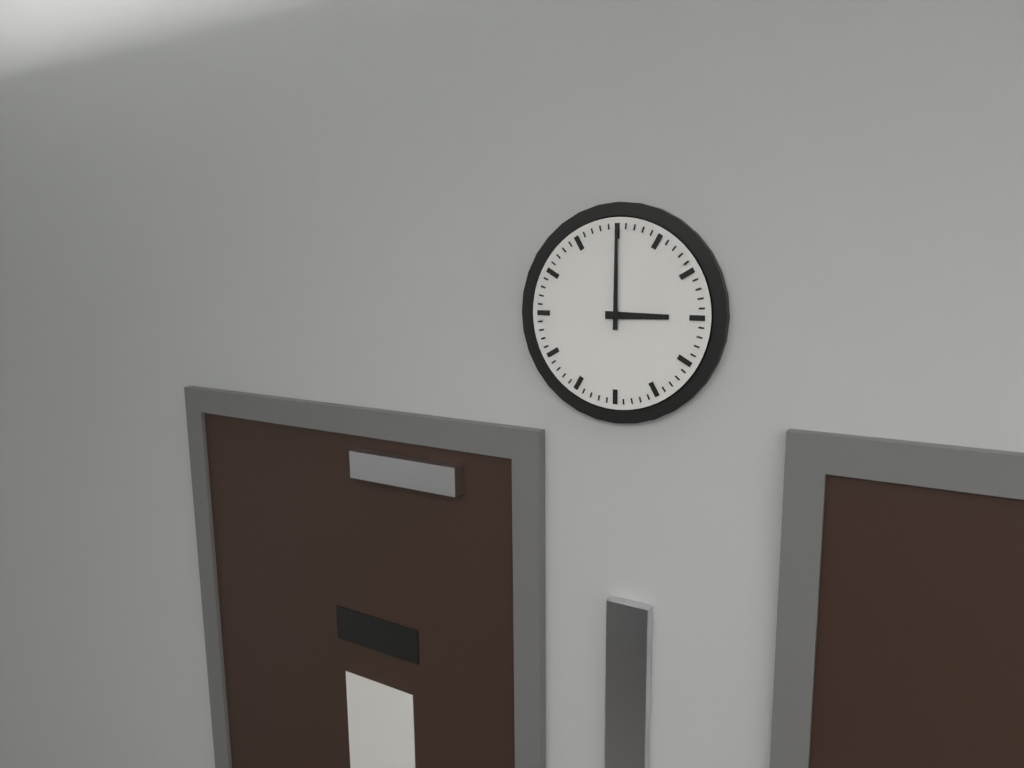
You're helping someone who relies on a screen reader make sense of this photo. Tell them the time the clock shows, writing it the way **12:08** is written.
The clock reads **3:00**
